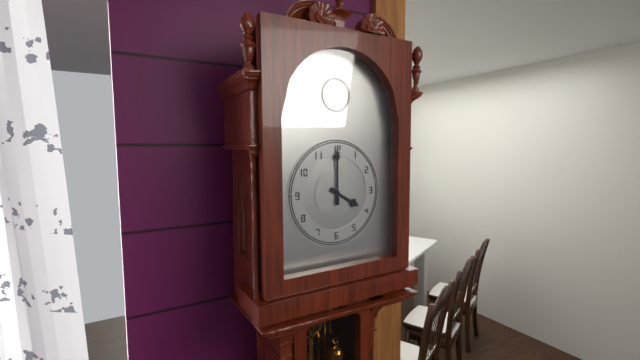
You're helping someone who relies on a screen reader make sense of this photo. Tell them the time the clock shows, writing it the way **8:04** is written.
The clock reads **4:00**
